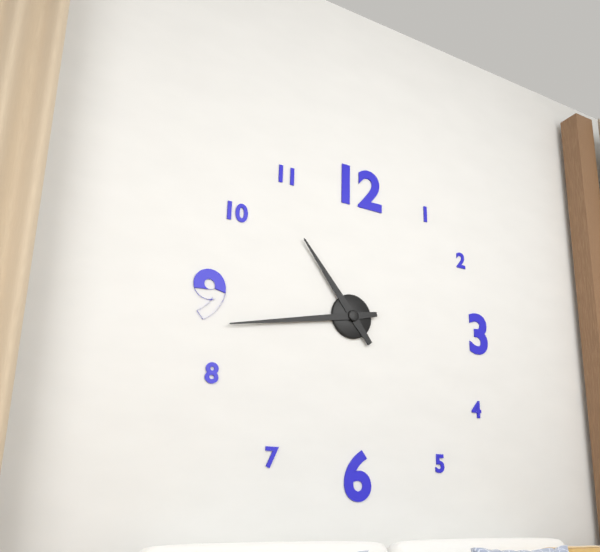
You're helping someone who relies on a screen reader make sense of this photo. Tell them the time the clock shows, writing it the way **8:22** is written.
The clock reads **10:43**
